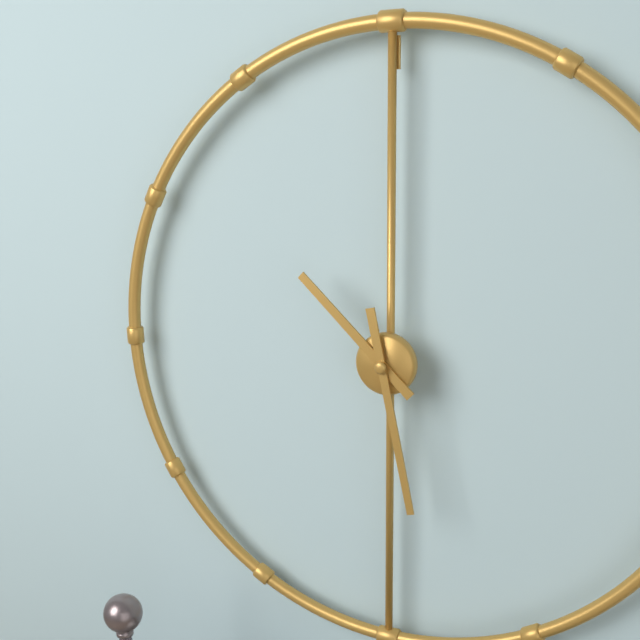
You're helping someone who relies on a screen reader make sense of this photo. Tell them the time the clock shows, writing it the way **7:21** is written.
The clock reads **10:28**
